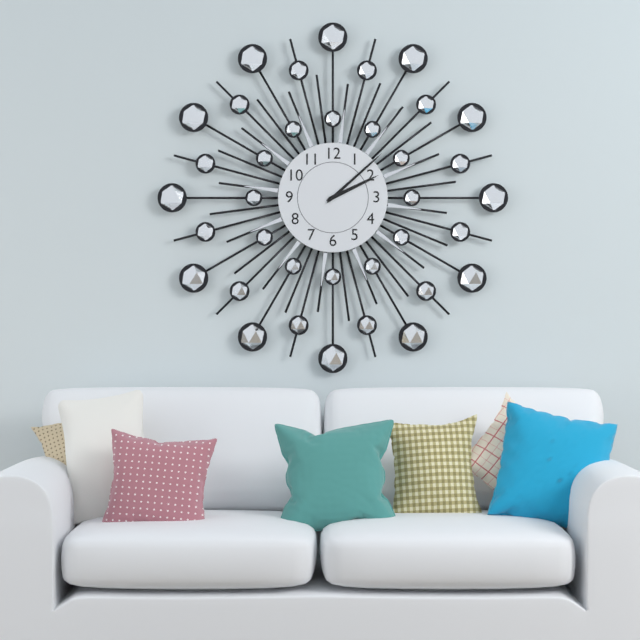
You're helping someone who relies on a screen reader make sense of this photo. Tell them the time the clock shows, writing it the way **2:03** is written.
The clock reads **2:08**
